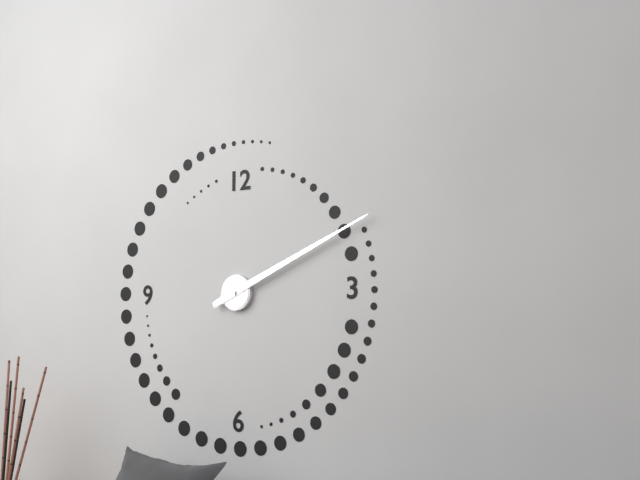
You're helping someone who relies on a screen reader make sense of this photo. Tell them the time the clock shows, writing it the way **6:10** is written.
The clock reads **2:11**
